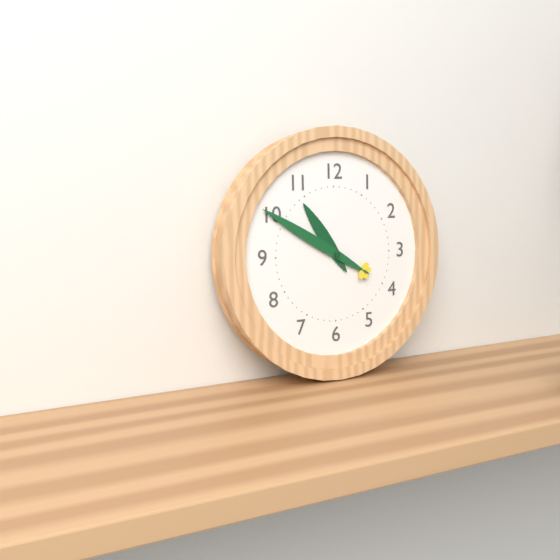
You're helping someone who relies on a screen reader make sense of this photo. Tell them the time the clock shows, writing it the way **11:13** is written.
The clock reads **10:50**
